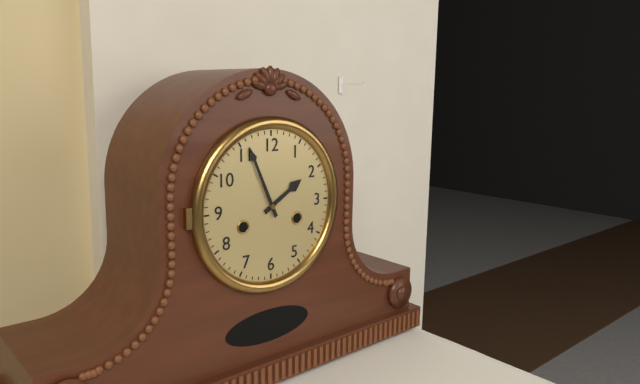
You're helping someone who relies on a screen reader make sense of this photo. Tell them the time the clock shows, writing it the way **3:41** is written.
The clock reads **1:56**
